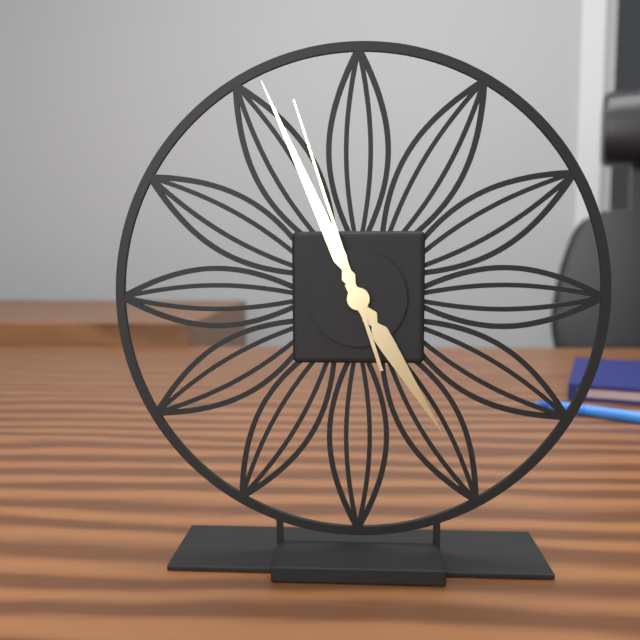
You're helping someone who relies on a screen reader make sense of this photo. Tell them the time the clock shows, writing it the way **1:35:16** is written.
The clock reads **4:56:57**
